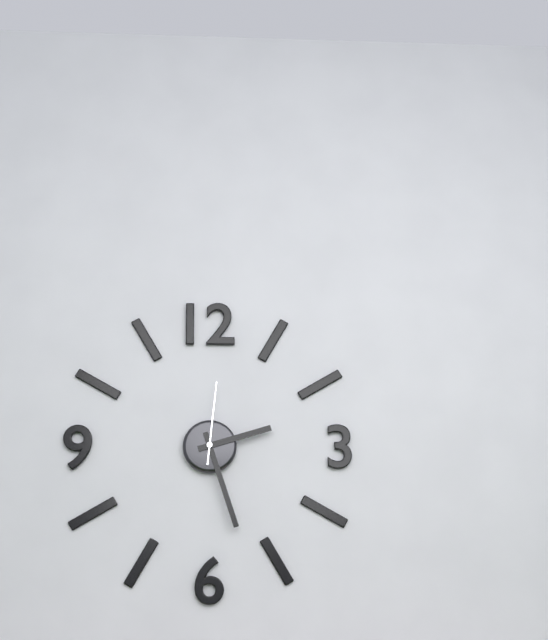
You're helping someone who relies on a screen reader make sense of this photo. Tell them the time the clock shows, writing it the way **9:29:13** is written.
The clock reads **2:27:01**
